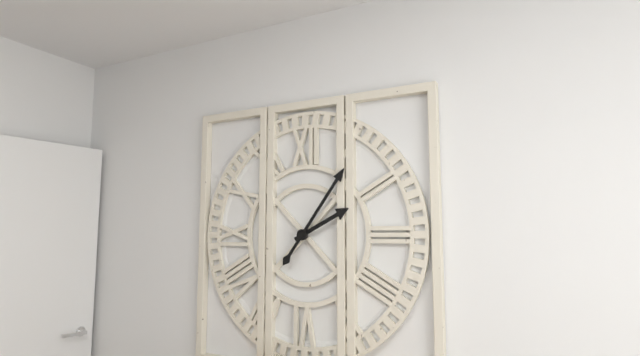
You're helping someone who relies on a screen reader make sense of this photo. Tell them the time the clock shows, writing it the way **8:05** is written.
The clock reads **2:06**
